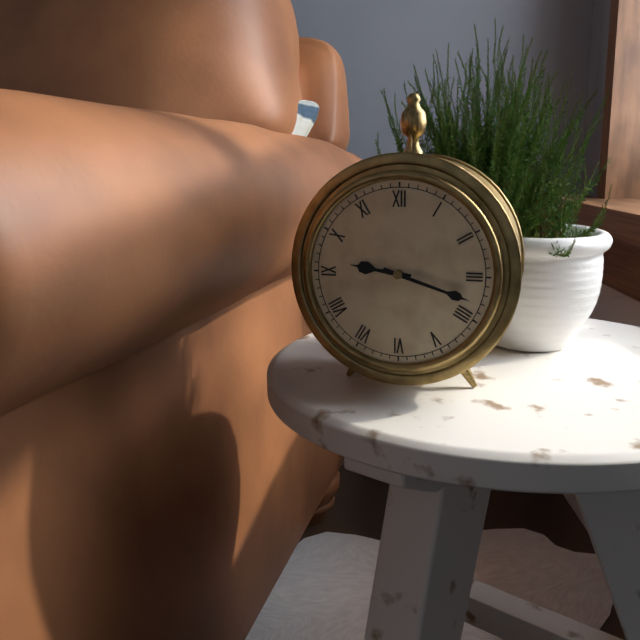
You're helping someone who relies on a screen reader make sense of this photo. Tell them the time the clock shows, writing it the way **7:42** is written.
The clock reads **9:18**
